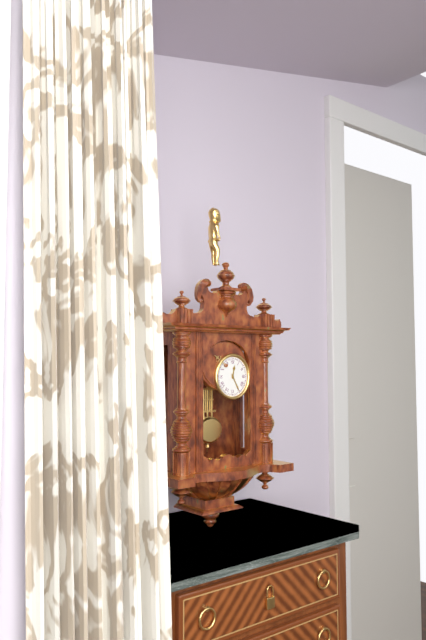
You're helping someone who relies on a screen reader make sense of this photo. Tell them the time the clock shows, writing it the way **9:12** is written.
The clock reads **12:25**
